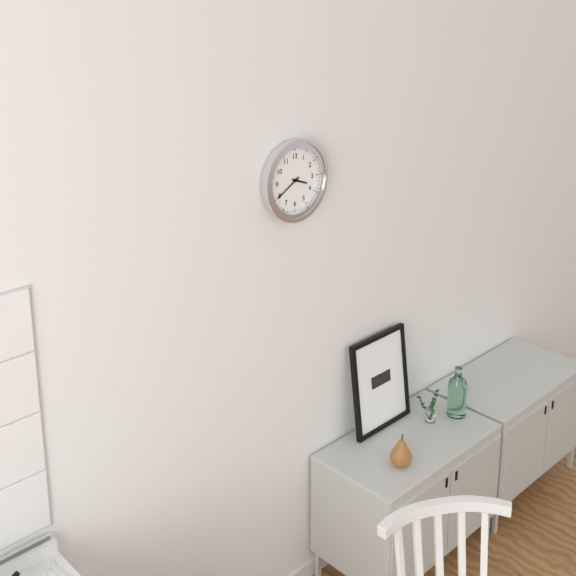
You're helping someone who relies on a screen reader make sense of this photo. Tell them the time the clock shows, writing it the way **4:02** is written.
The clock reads **3:40**
